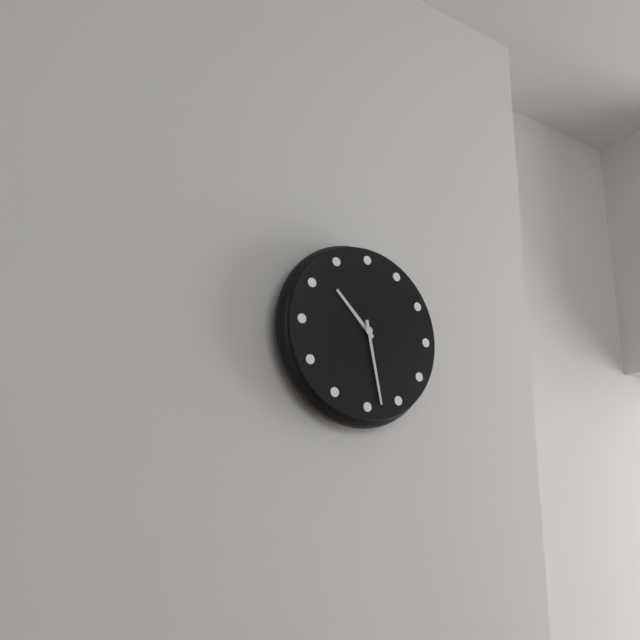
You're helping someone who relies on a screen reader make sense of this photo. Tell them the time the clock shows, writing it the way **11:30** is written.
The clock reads **10:28**
